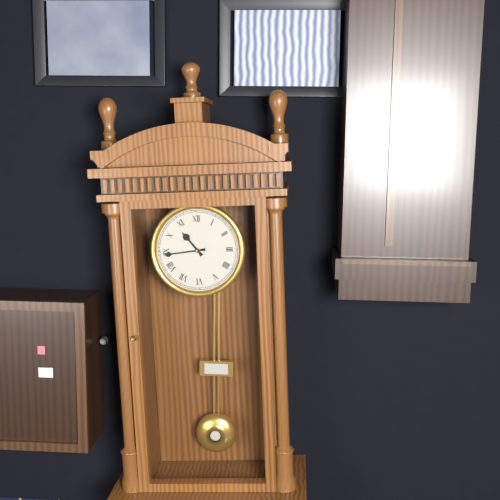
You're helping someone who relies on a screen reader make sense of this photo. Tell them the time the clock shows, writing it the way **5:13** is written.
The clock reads **10:44**
